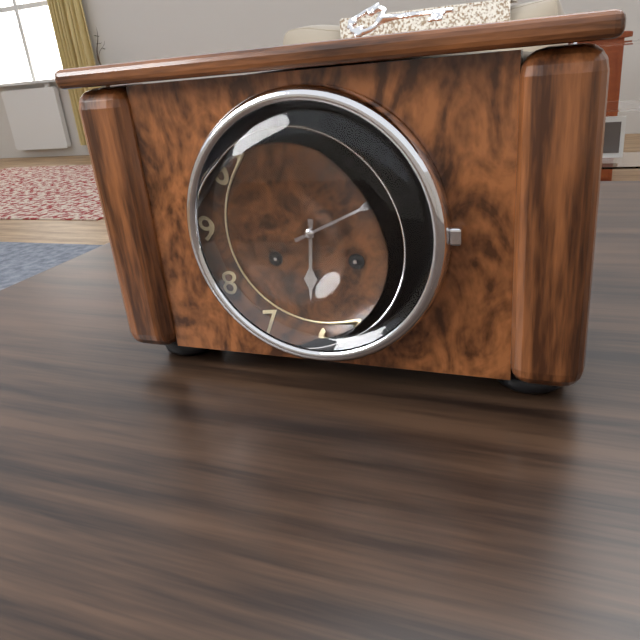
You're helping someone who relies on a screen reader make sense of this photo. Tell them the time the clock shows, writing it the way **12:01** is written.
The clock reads **6:11**
